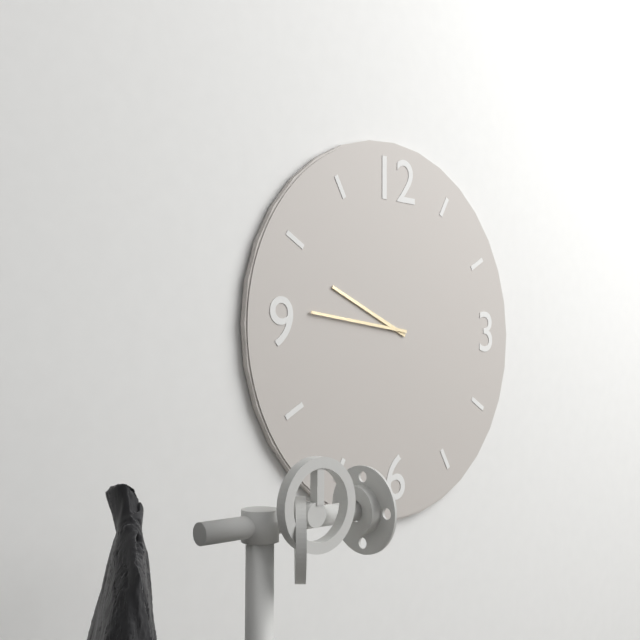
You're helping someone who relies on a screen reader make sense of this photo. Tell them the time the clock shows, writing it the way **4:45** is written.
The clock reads **9:46**
